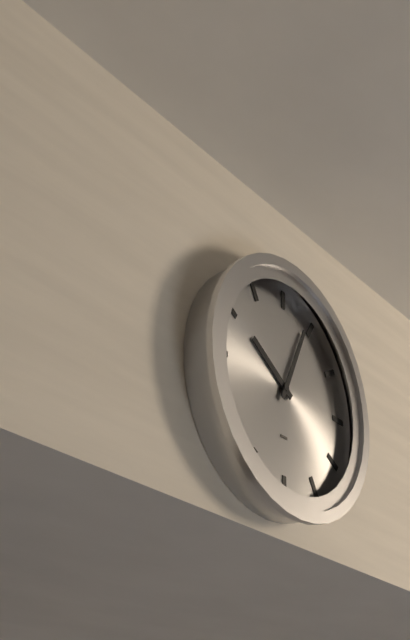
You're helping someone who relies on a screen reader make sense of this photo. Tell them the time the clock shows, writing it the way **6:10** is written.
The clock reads **10:04**
